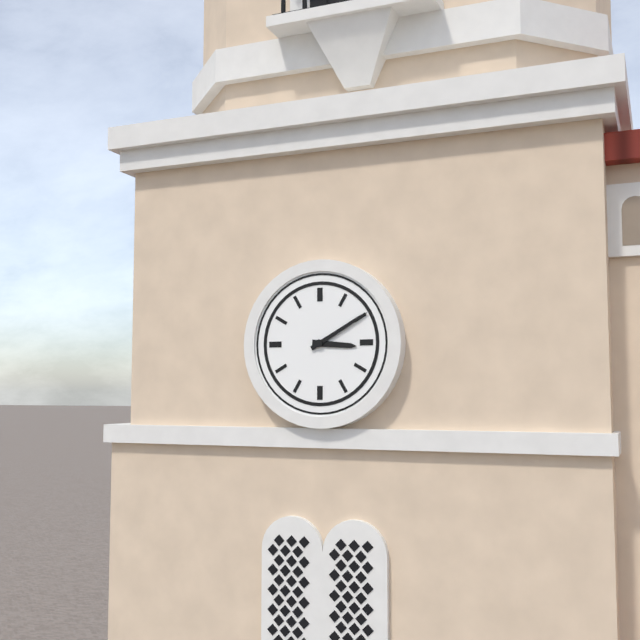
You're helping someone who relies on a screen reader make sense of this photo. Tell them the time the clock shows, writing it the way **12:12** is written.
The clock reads **3:10**
